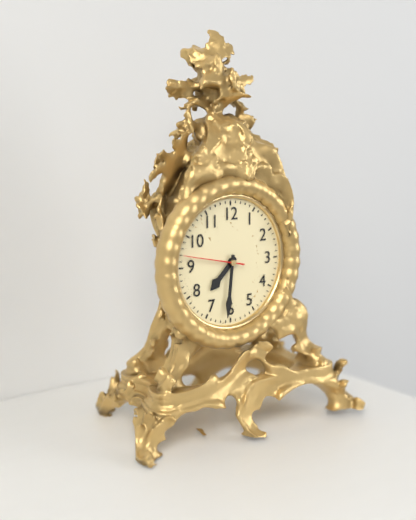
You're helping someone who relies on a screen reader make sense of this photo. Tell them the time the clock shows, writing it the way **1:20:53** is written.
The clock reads **7:31:47**
